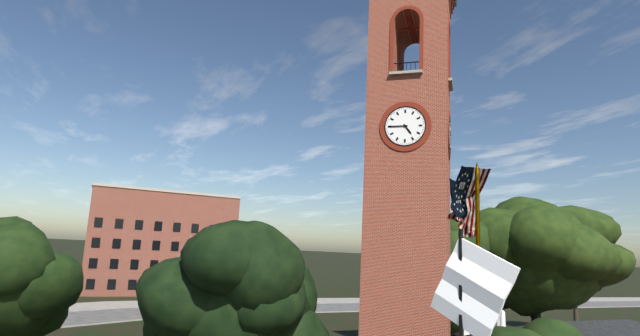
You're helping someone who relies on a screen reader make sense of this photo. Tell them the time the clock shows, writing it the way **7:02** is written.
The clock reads **4:45**
